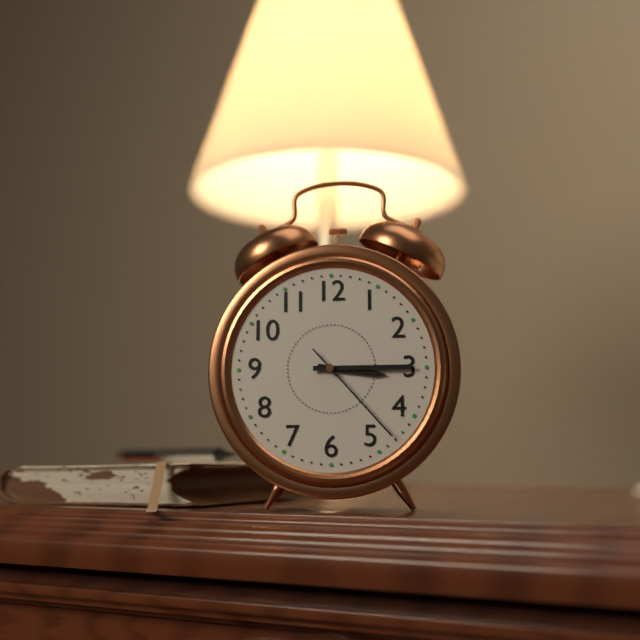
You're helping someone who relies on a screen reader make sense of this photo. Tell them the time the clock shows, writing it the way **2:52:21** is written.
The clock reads **3:15:23**
